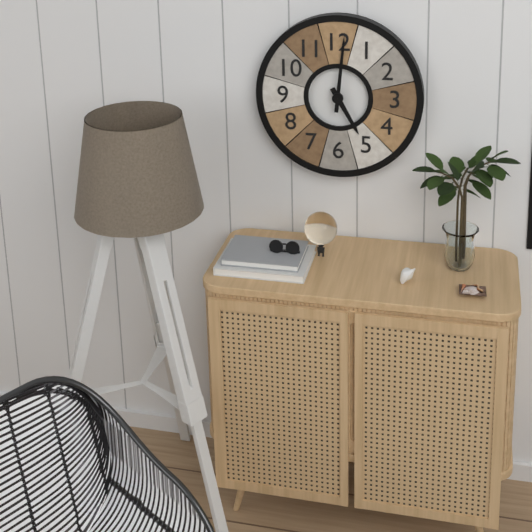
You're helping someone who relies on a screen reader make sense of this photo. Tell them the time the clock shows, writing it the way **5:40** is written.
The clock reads **5:01**
